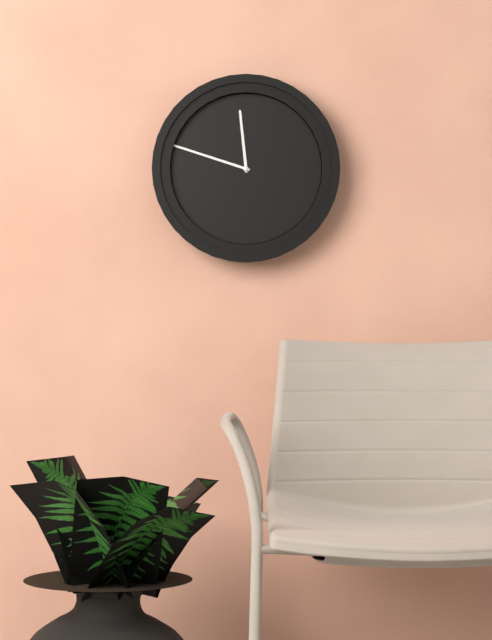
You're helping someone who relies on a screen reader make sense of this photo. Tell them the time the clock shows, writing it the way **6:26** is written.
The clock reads **11:48**
